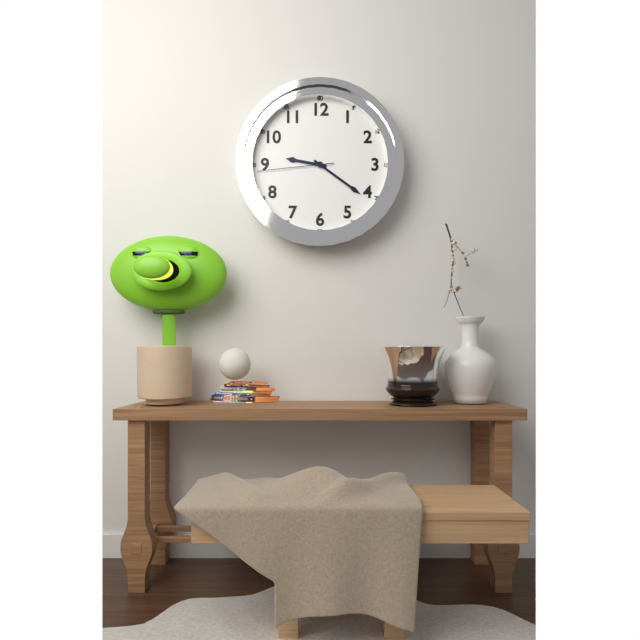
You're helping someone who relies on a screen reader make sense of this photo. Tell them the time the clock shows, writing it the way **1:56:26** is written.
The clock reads **9:21:44**
